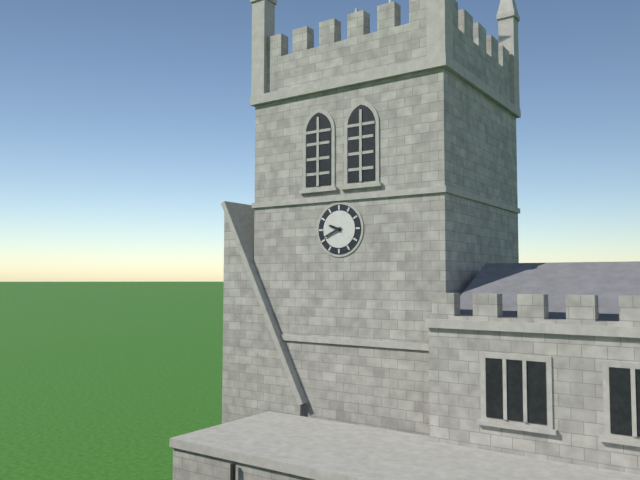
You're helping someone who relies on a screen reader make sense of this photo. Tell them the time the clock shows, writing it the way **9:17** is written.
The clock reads **9:41**
